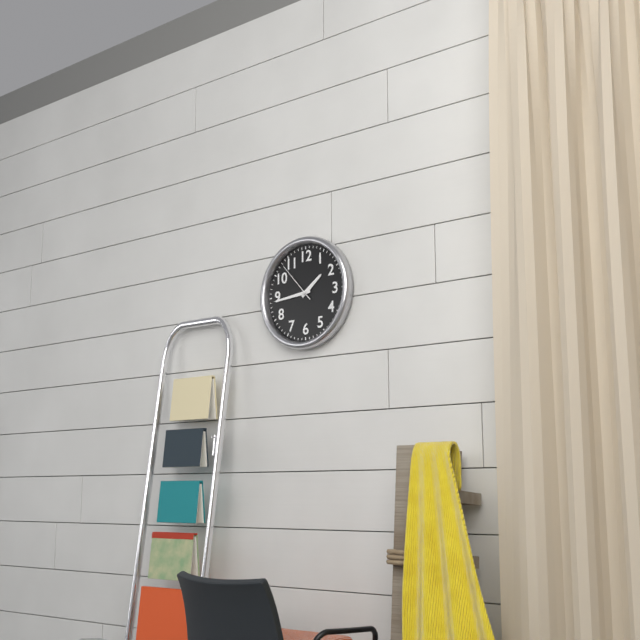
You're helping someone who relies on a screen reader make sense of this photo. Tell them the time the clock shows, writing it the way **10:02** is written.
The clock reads **1:44**
